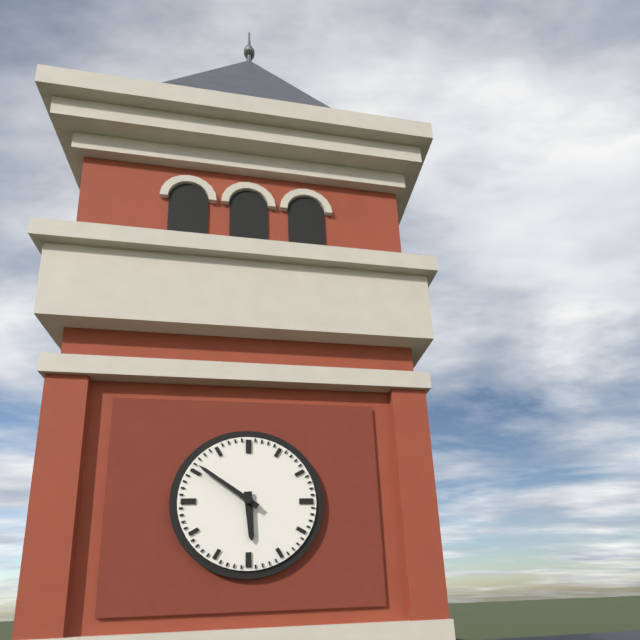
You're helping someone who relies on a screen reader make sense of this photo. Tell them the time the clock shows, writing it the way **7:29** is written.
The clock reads **5:51**
